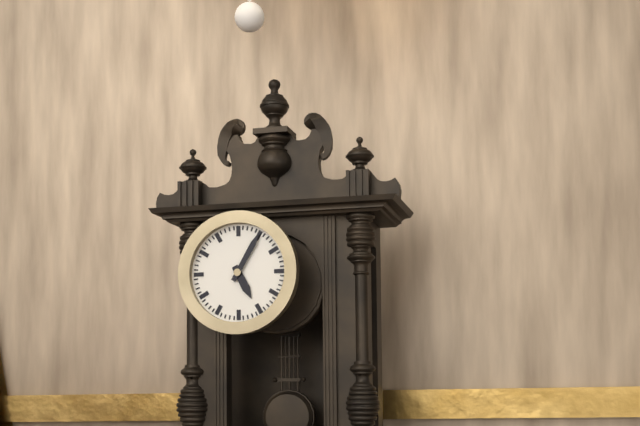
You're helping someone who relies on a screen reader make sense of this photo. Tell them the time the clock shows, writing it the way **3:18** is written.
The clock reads **5:05**
